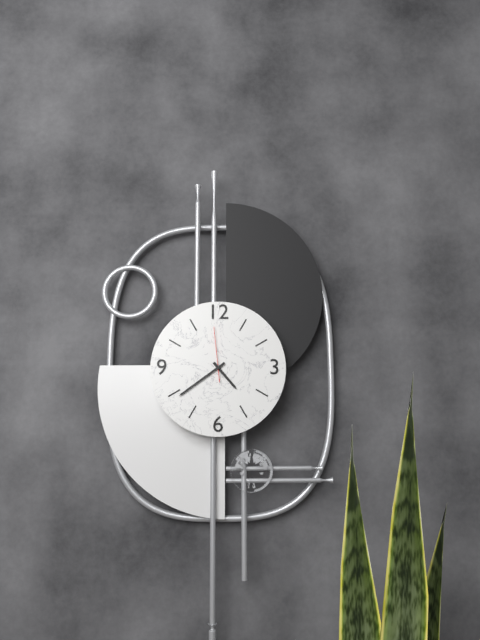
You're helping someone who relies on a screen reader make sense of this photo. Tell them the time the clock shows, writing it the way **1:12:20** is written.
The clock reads **4:39:59**
